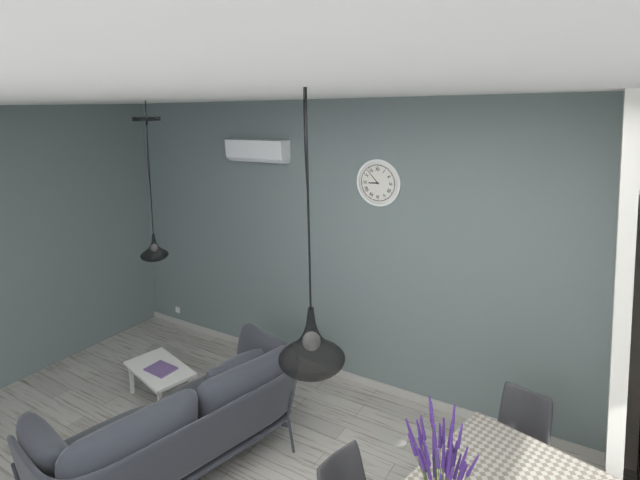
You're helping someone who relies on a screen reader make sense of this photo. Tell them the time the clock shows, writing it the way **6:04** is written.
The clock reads **8:53**
